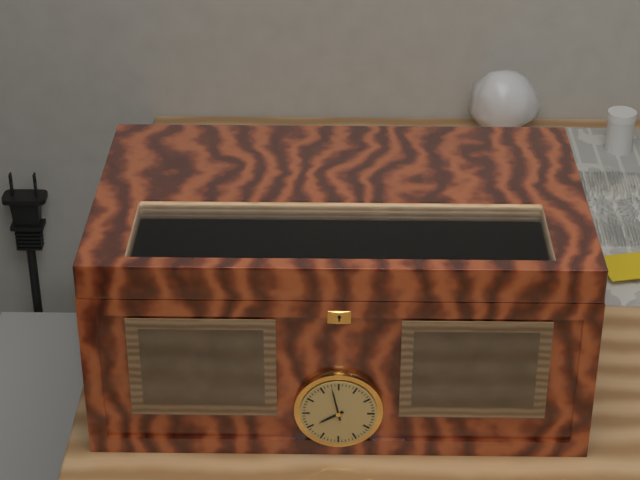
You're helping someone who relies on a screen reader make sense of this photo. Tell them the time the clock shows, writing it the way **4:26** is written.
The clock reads **7:58**
